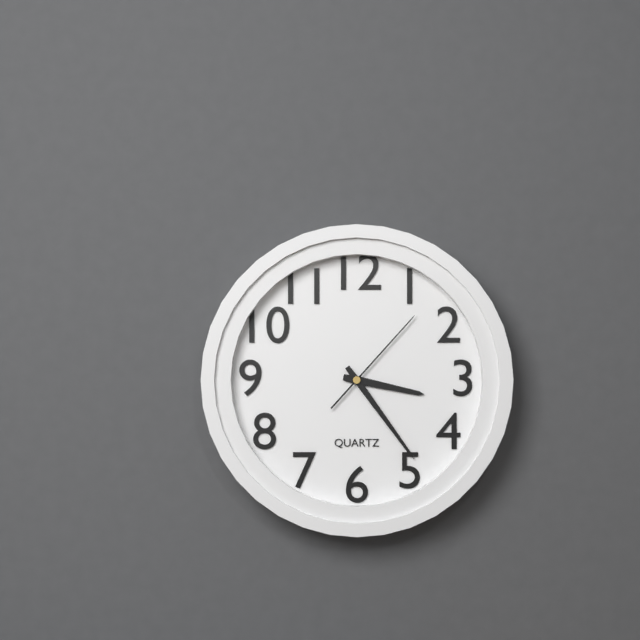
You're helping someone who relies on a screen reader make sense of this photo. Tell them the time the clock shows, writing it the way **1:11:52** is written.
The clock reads **3:24:07**
